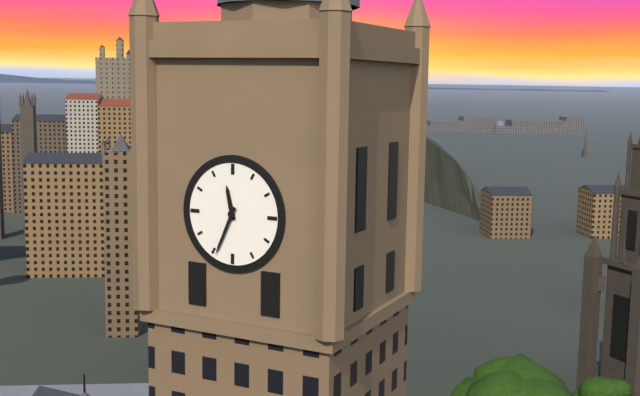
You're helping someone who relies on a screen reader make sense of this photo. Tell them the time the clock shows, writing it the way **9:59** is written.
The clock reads **11:34**
